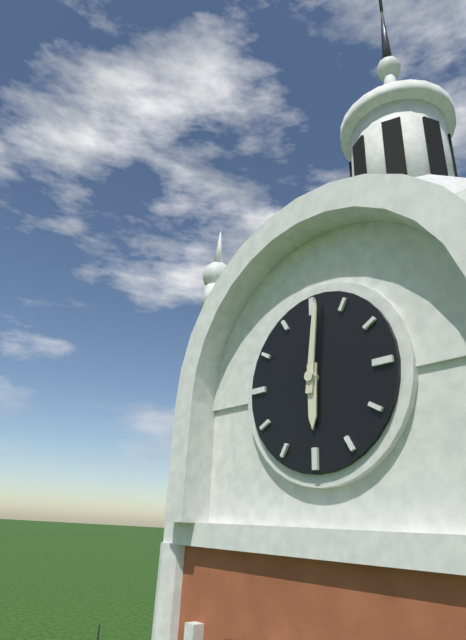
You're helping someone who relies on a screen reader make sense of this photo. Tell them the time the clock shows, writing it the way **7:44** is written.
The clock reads **6:01**
